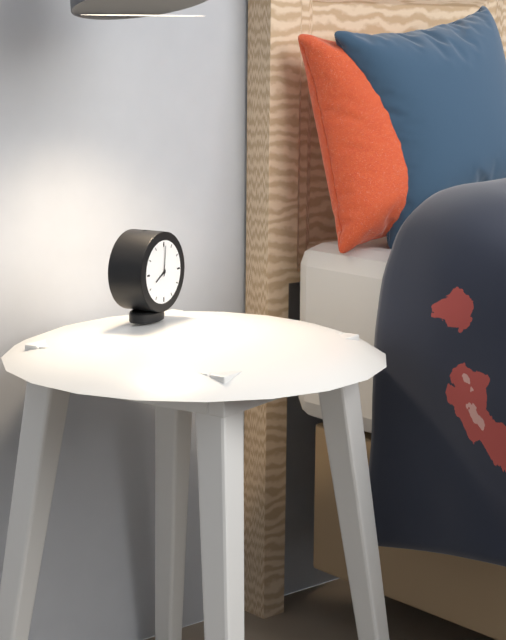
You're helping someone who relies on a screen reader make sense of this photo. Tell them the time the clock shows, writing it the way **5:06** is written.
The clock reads **8:01**
